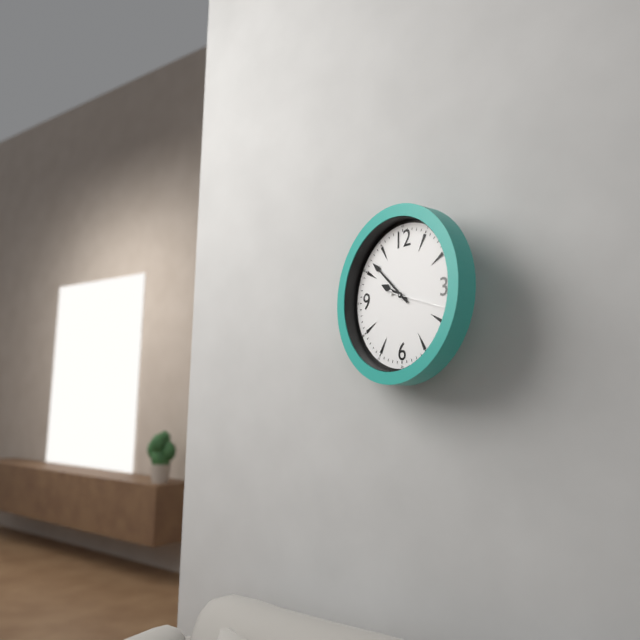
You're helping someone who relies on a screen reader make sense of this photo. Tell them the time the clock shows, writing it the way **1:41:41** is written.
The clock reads **9:52:18**
